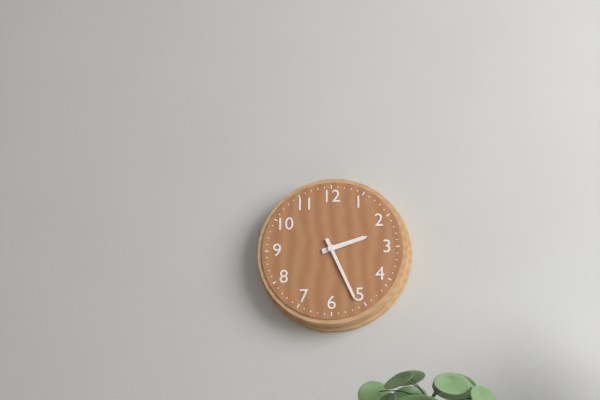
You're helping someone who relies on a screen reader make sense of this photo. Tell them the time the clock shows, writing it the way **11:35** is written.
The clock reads **2:26**
